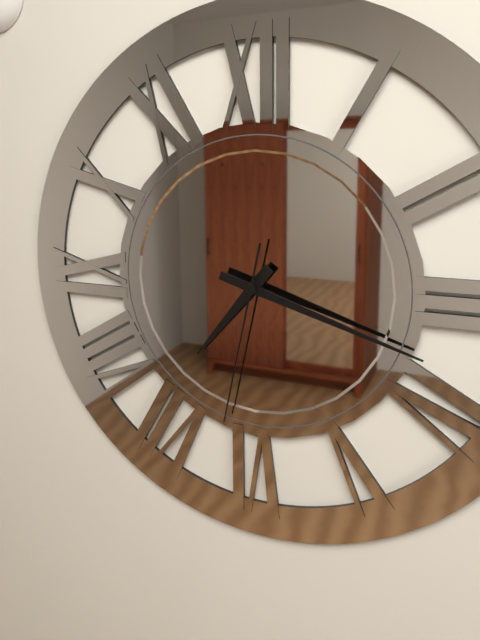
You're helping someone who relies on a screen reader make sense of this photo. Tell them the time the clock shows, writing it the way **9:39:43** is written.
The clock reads **7:18:32**
